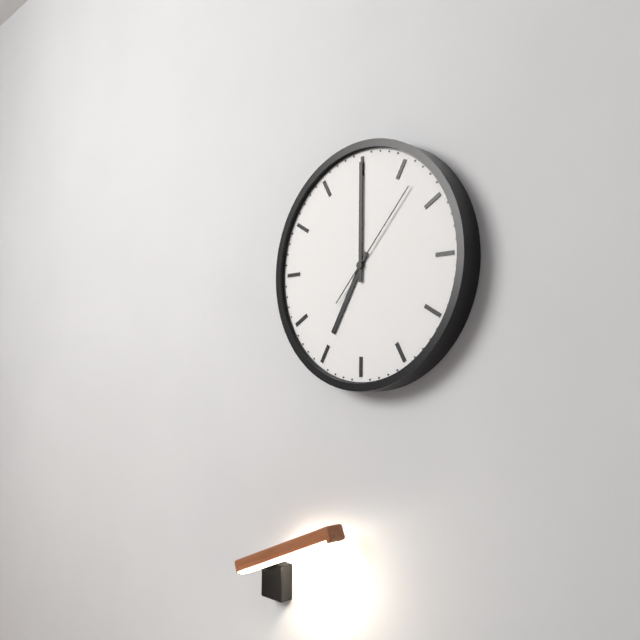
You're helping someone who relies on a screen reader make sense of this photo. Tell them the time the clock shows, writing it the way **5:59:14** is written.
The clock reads **7:00:07**
